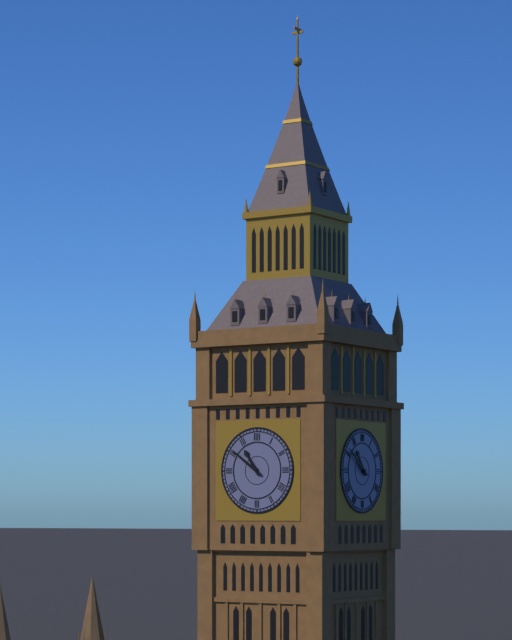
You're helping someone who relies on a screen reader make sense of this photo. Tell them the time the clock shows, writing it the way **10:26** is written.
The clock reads **10:51**
